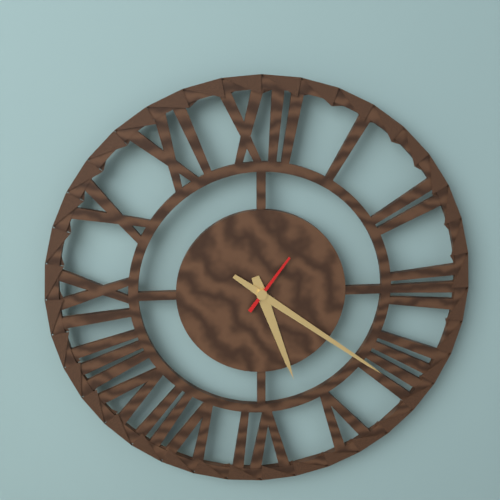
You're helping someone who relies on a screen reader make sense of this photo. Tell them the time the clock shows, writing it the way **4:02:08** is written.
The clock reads **5:21:06**
